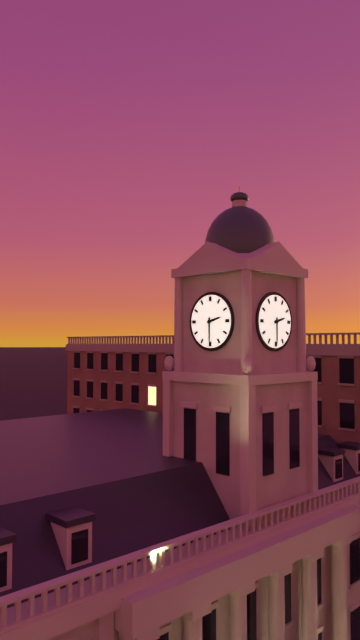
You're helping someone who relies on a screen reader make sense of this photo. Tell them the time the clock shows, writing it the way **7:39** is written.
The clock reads **2:30**
